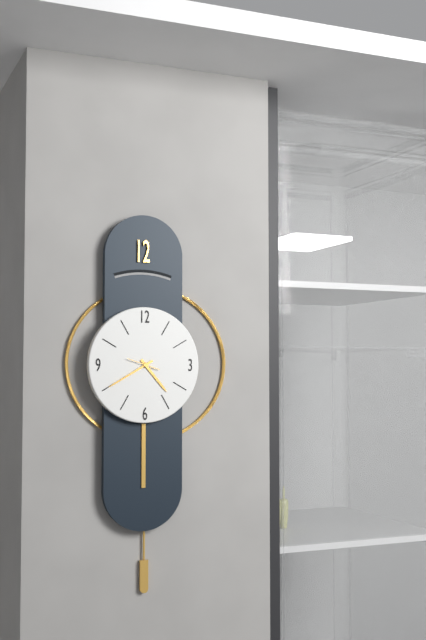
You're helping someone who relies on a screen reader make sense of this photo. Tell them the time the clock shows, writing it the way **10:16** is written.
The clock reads **4:40**
